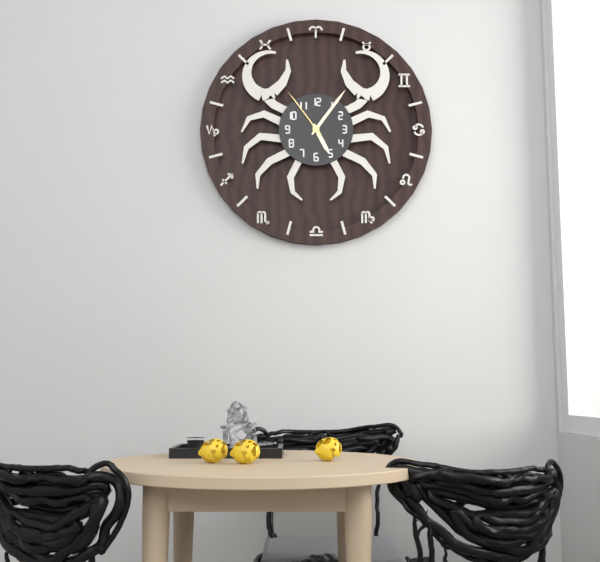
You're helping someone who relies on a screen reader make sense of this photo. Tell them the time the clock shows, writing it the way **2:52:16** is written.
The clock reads **5:06:54**
